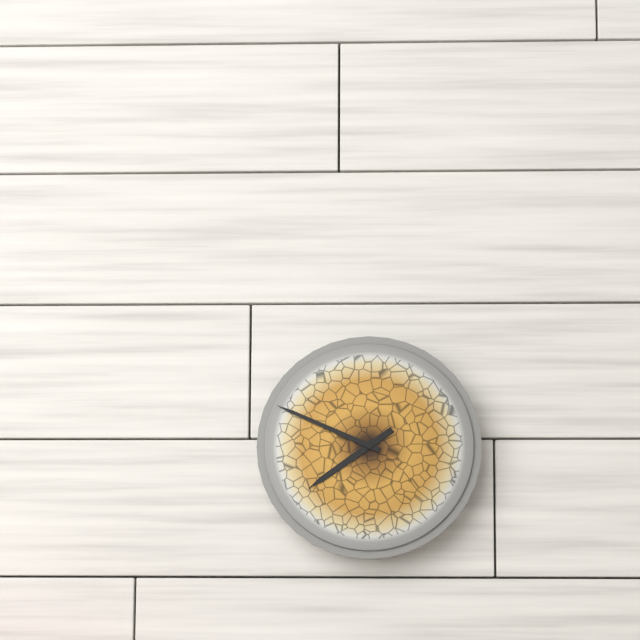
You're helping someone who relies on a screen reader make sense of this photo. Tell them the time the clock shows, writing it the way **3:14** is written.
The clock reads **7:49**
